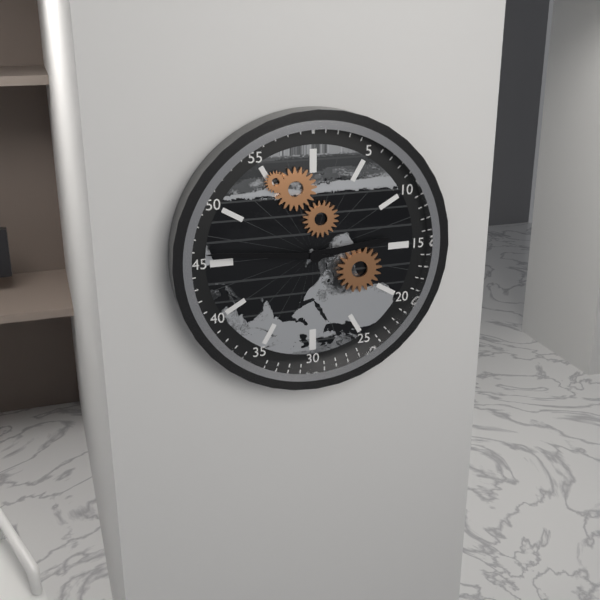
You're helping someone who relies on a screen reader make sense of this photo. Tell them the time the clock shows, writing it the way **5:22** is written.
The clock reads **2:46**
